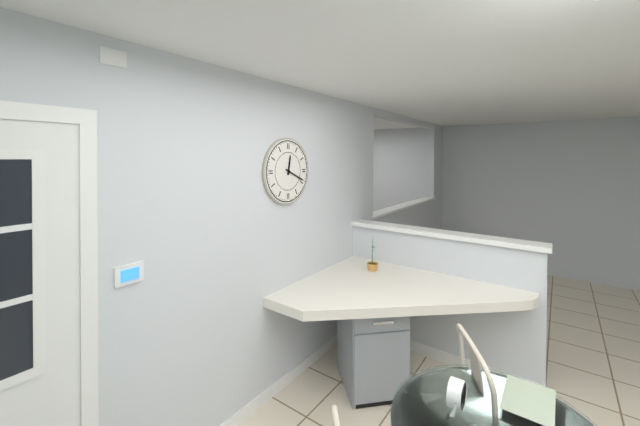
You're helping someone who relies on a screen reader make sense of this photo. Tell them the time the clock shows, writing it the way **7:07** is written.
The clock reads **12:19**
